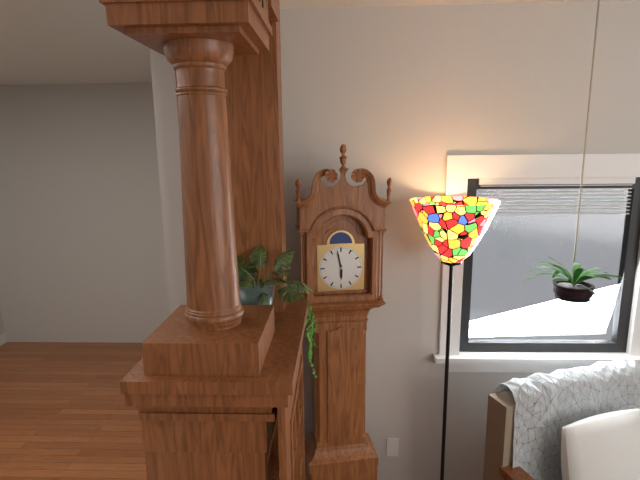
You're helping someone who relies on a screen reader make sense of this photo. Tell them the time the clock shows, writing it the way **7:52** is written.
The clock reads **5:58**
